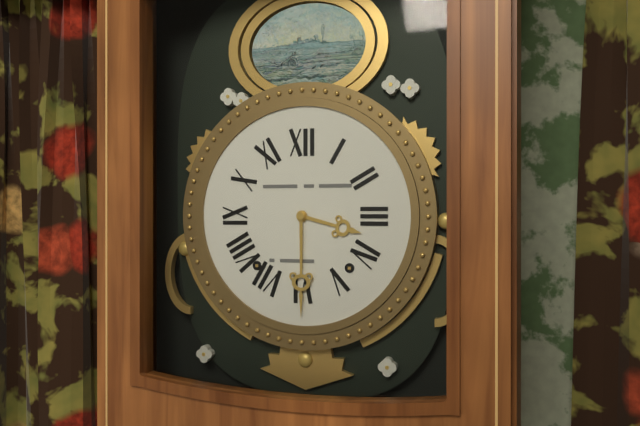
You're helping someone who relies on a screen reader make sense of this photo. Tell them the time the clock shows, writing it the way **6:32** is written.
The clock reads **3:30**
